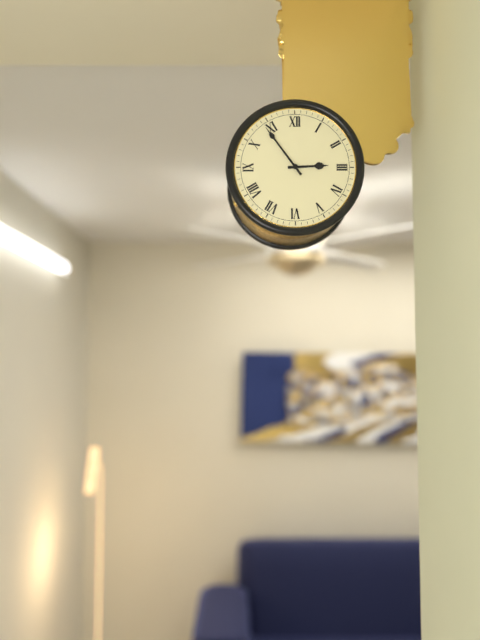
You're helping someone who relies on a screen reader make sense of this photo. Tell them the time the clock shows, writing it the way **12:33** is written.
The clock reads **2:54**
